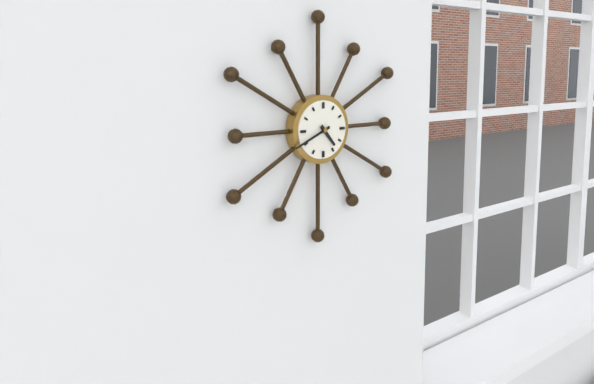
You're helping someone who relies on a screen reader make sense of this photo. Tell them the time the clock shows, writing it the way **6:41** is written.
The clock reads **4:41**
